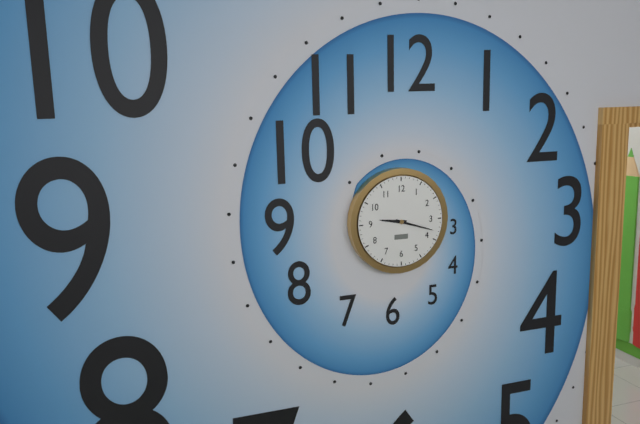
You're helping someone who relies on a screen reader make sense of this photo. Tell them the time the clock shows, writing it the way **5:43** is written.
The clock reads **9:18**
